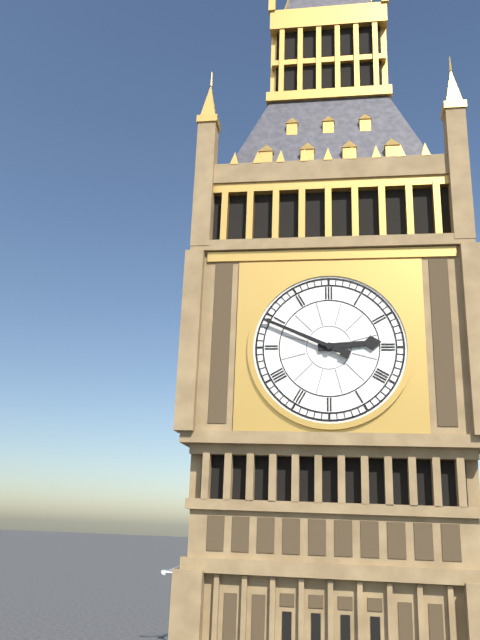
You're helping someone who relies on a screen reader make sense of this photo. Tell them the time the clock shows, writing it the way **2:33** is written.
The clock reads **2:49**
